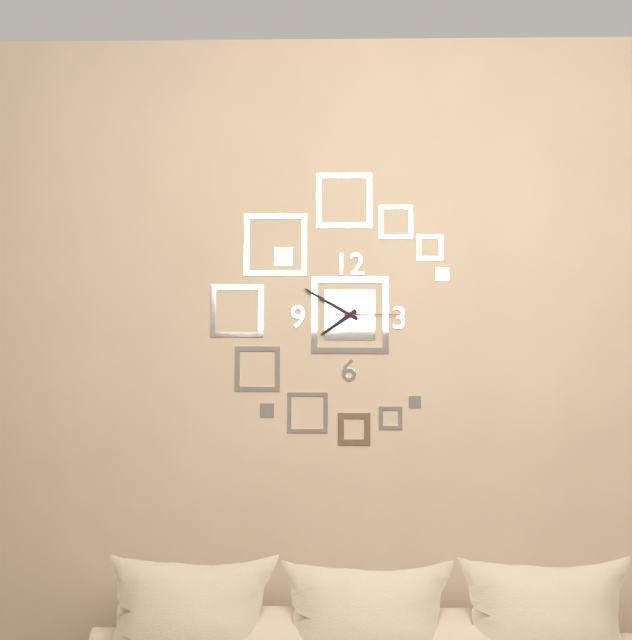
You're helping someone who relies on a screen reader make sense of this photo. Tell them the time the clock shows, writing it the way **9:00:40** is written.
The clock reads **7:50:15**
